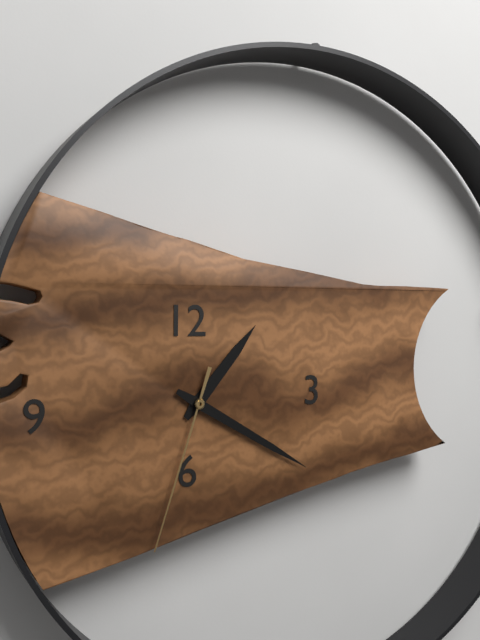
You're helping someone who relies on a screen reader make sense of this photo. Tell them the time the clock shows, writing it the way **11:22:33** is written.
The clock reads **1:20:33**
